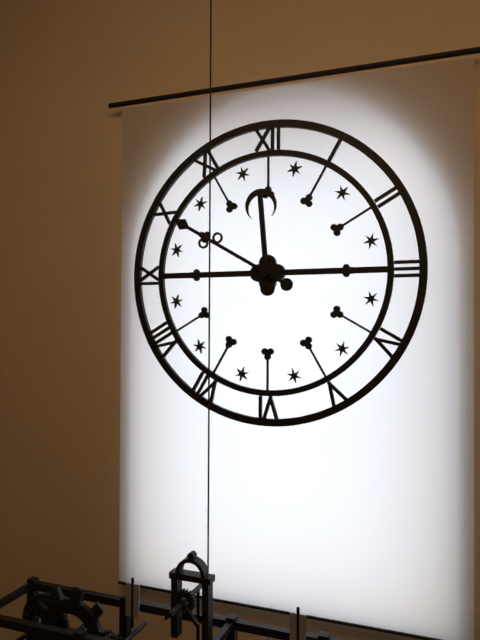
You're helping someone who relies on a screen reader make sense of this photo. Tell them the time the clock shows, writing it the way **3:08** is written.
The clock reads **11:50**
